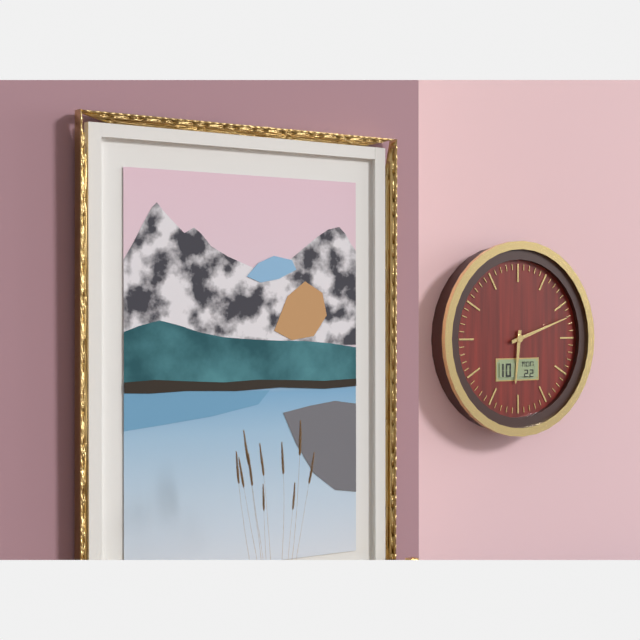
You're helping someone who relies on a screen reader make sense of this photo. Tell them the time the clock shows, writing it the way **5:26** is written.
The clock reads **6:12**
